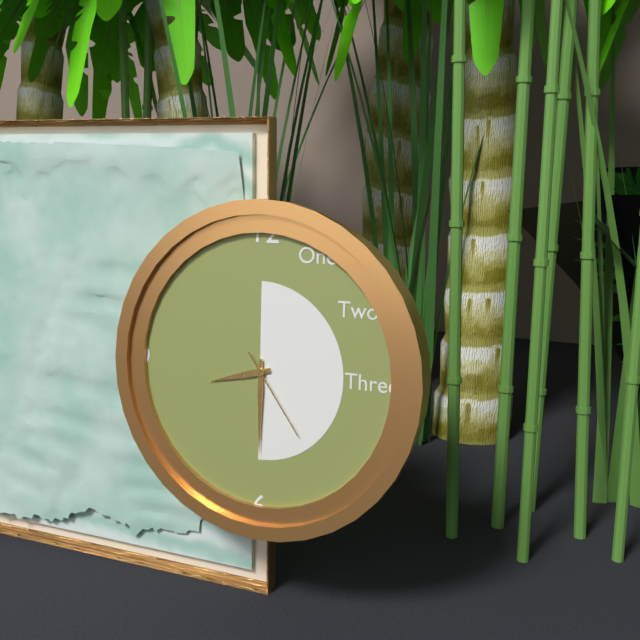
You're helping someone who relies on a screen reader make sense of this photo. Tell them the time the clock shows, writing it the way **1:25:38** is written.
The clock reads **8:30:24**
